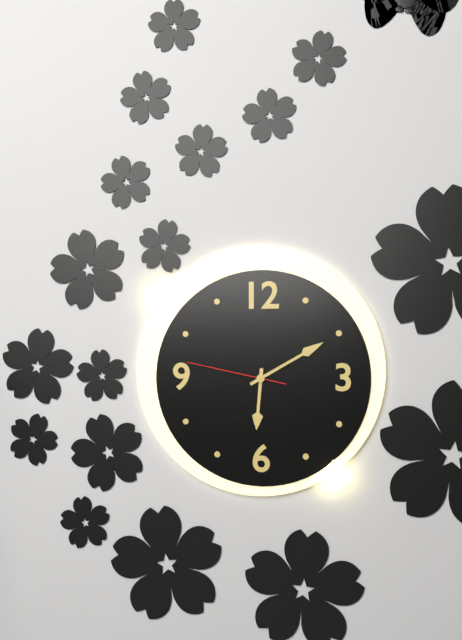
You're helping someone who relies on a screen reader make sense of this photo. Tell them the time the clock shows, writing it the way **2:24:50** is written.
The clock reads **6:10:47**
